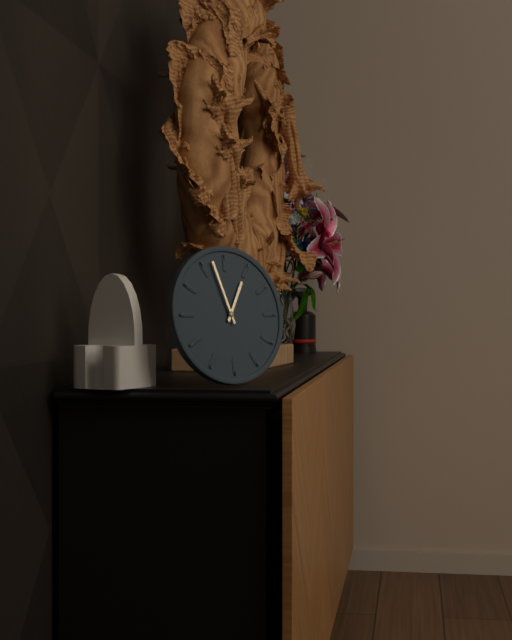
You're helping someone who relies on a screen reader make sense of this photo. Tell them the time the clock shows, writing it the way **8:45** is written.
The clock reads **12:57**
